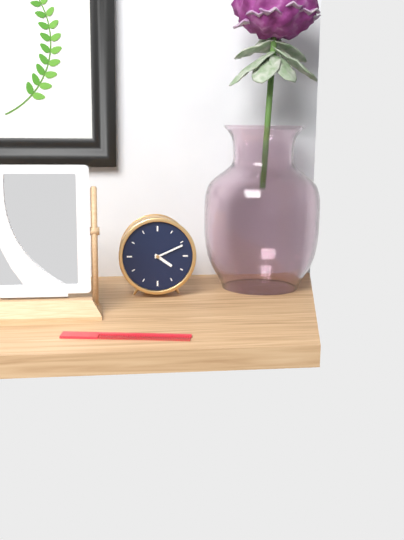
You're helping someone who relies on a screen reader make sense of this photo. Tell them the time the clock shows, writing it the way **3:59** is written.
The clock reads **4:11**
